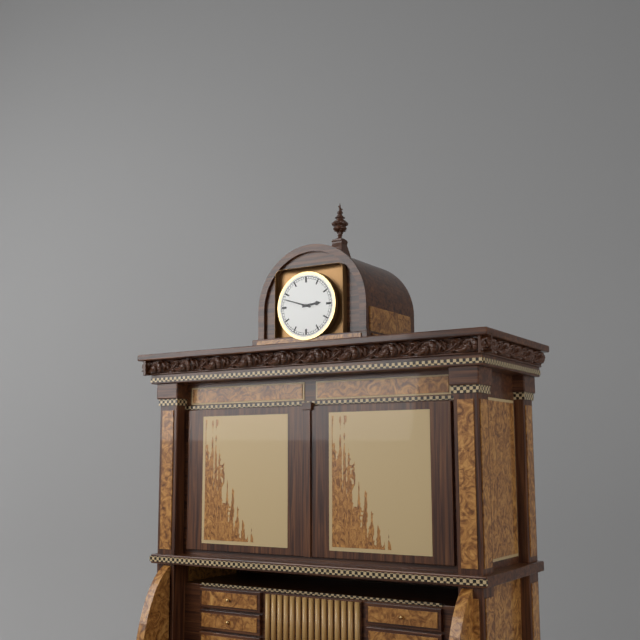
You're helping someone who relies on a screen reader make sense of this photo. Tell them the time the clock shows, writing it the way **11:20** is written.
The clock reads **2:48**
